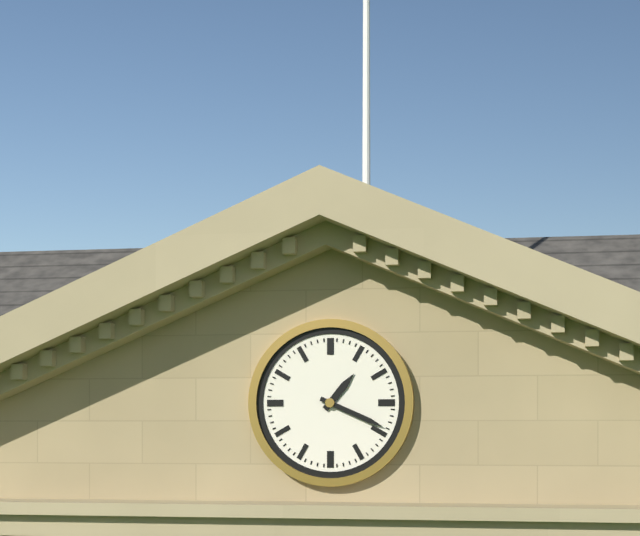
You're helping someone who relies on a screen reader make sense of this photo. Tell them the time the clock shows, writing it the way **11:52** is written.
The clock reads **1:19**
